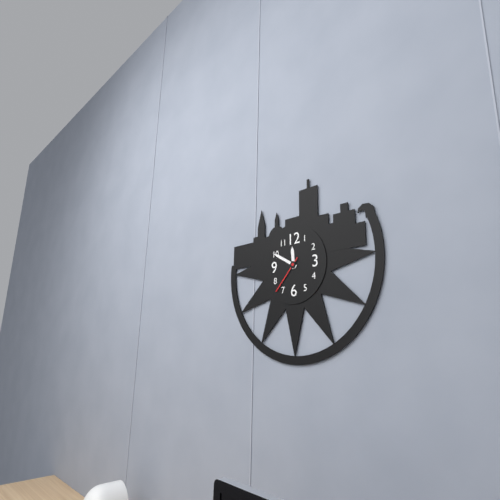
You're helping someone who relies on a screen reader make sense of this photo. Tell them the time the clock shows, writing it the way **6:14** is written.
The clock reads **11:50**
